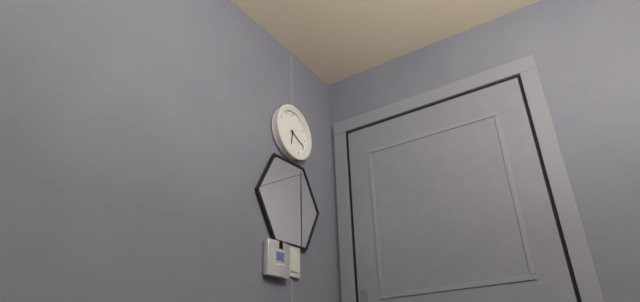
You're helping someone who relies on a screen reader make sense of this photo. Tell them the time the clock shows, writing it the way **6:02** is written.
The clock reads **6:19**
